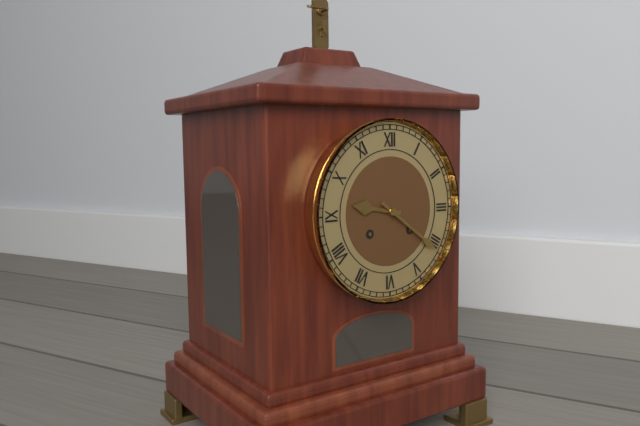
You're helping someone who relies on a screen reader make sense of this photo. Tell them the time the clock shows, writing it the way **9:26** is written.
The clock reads **9:21**
